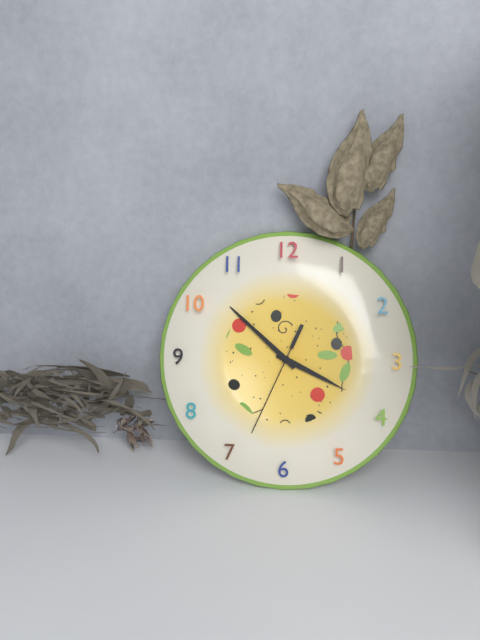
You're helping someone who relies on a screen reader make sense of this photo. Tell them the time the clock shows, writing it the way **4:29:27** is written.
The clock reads **3:52:34**
